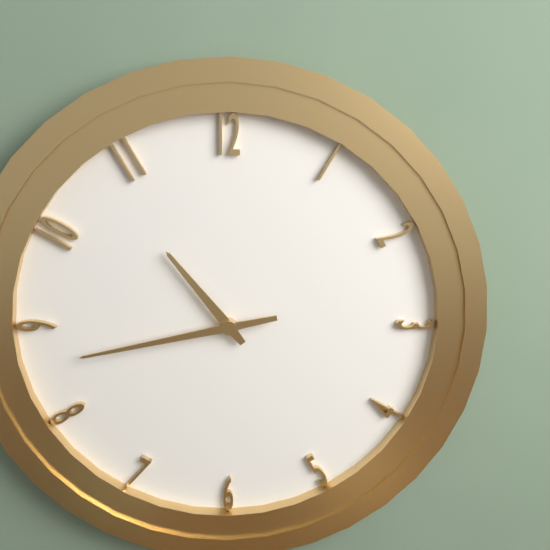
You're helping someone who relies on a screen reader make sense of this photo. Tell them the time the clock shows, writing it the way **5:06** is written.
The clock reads **10:43**
